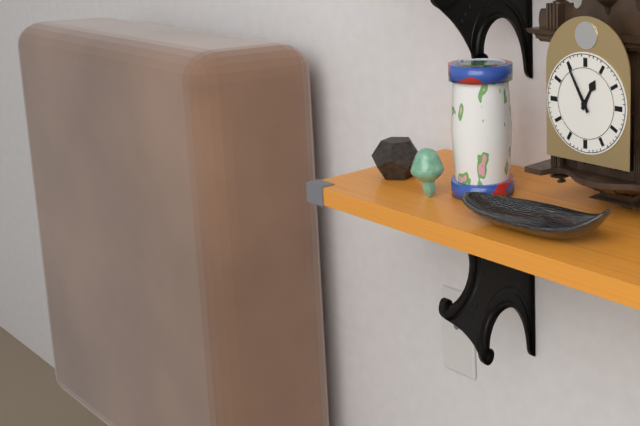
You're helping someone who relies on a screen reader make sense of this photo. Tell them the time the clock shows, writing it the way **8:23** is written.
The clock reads **12:55**
